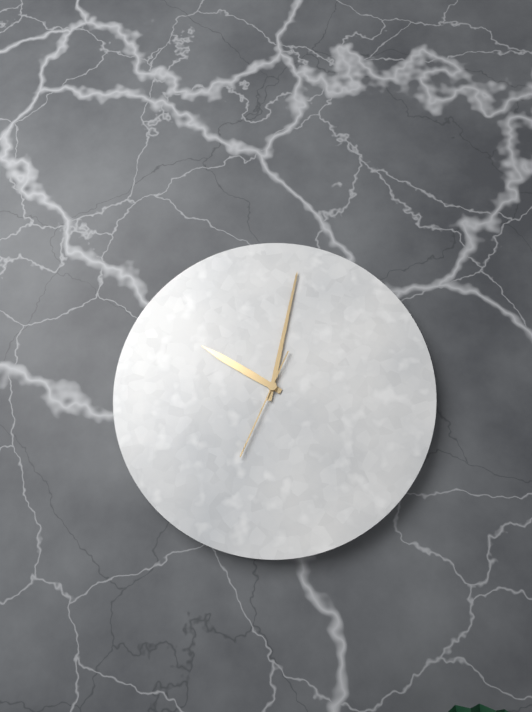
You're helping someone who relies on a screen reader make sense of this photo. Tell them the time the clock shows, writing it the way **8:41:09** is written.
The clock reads **10:02:34**
